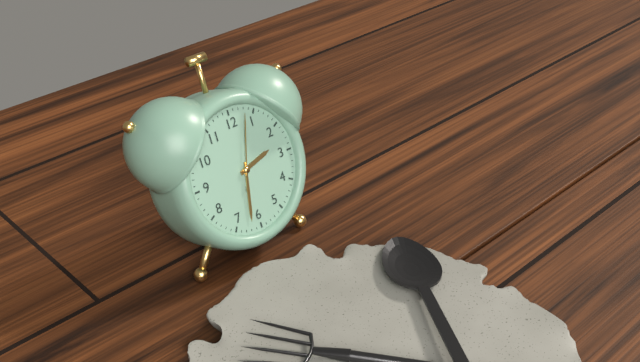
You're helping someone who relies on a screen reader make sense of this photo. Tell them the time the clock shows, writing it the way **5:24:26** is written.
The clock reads **2:32:03**
